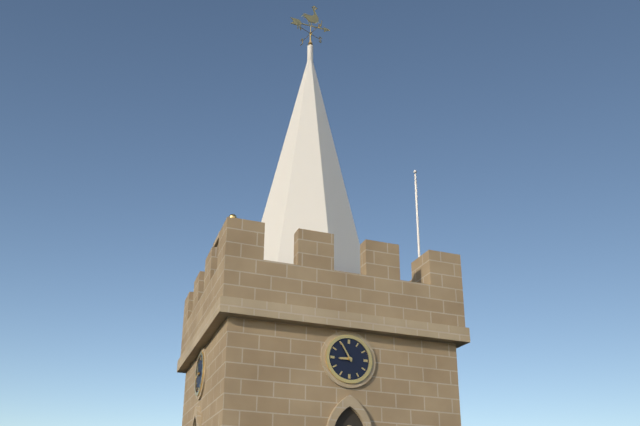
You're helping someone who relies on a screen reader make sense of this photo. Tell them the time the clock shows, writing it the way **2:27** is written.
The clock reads **8:55**
